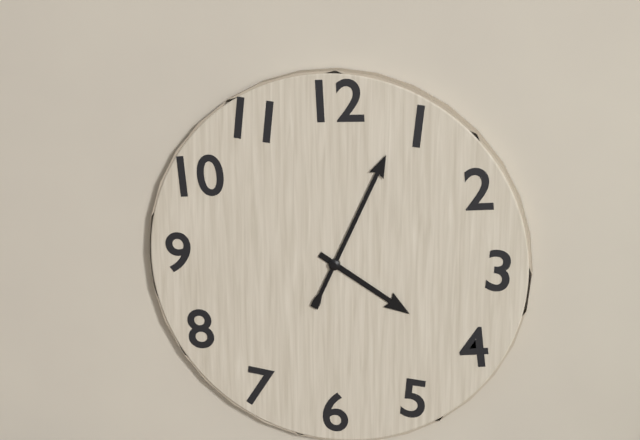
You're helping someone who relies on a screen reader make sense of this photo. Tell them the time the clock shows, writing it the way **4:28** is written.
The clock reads **4:04**
